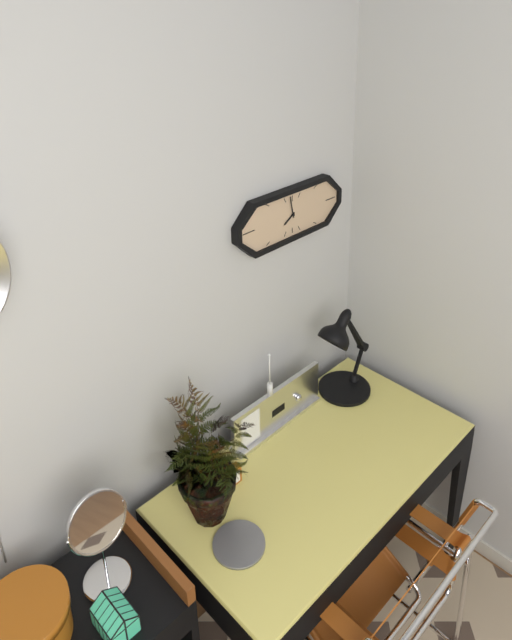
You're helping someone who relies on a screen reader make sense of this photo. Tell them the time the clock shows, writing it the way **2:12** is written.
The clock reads **7:58**
